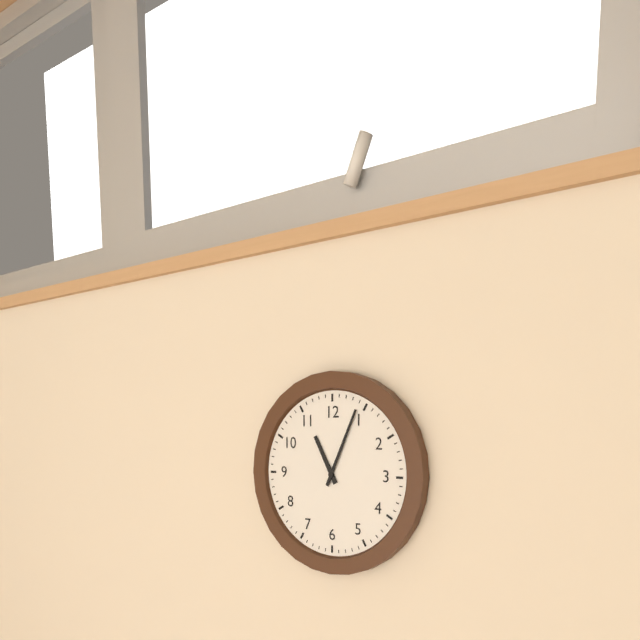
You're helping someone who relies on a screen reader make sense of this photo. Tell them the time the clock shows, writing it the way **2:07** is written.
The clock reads **11:04**
